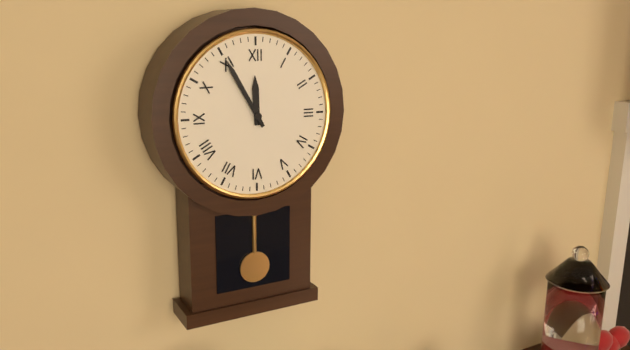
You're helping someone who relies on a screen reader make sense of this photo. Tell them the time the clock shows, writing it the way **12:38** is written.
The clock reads **11:55**
